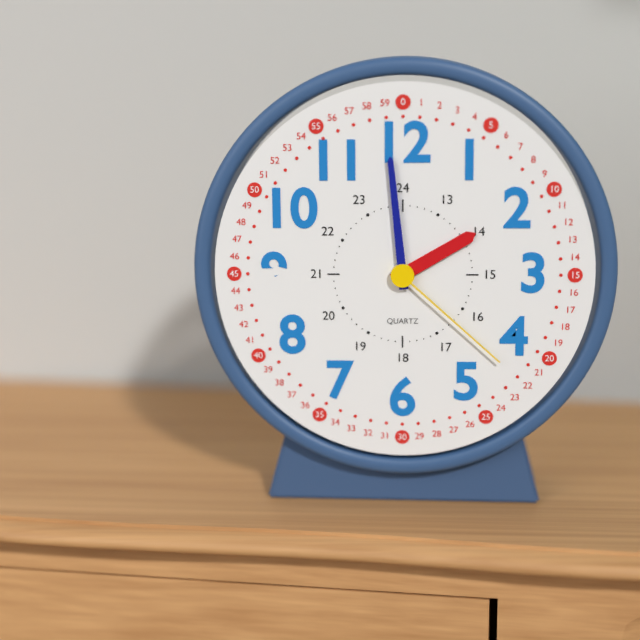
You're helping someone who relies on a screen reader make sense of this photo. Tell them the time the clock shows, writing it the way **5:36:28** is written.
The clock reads **1:59:22**
